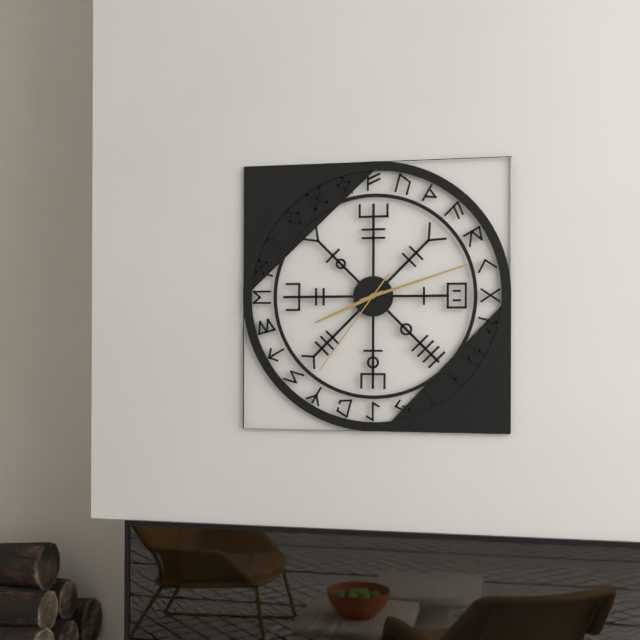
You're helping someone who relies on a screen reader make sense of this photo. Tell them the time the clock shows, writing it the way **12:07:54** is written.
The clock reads **8:12:36**
